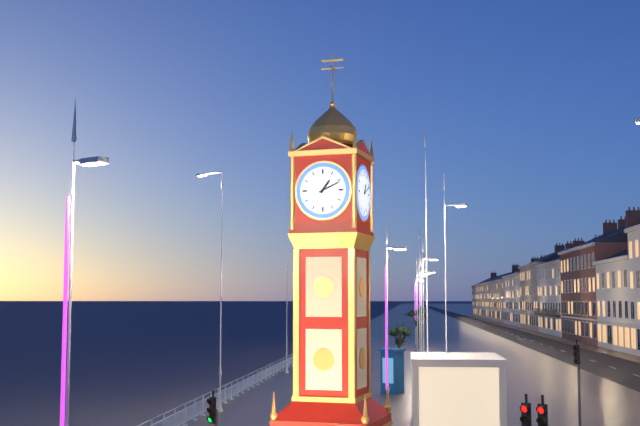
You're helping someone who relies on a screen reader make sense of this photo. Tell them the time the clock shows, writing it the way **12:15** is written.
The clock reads **1:11**
